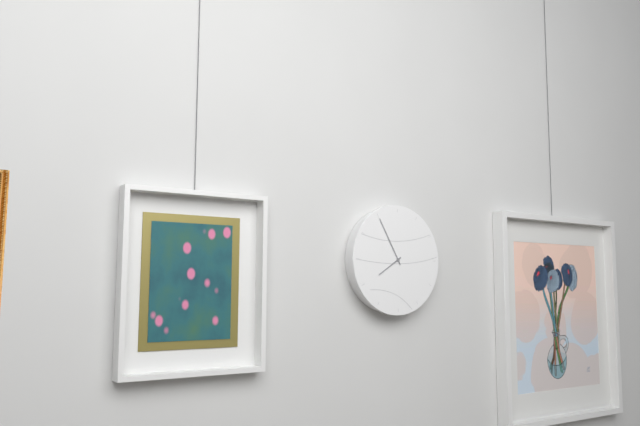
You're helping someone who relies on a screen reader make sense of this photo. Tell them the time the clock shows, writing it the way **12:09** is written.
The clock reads **7:55**
